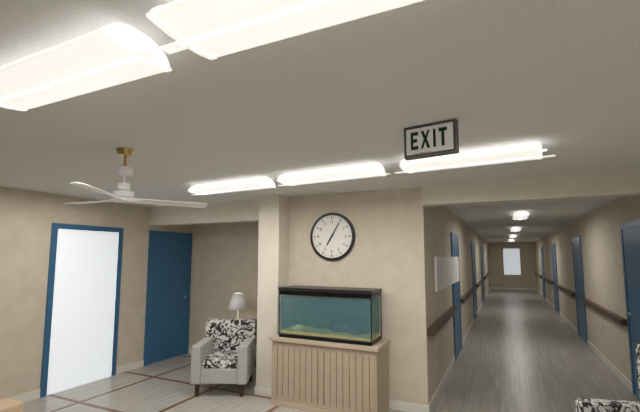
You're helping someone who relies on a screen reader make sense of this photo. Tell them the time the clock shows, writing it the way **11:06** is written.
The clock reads **7:05**
